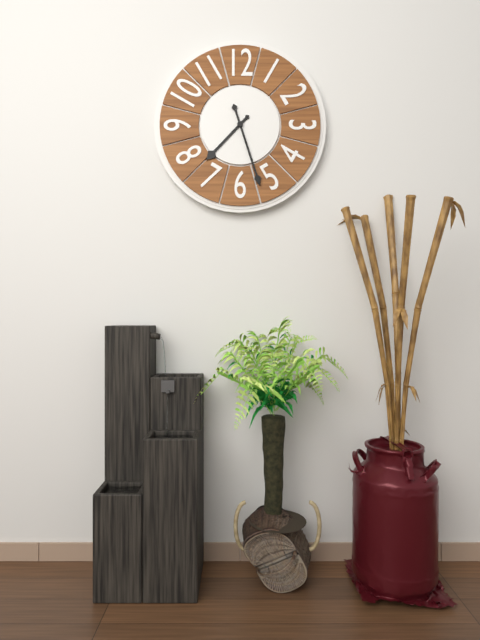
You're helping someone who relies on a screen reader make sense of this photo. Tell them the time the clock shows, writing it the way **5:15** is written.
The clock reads **7:27**
